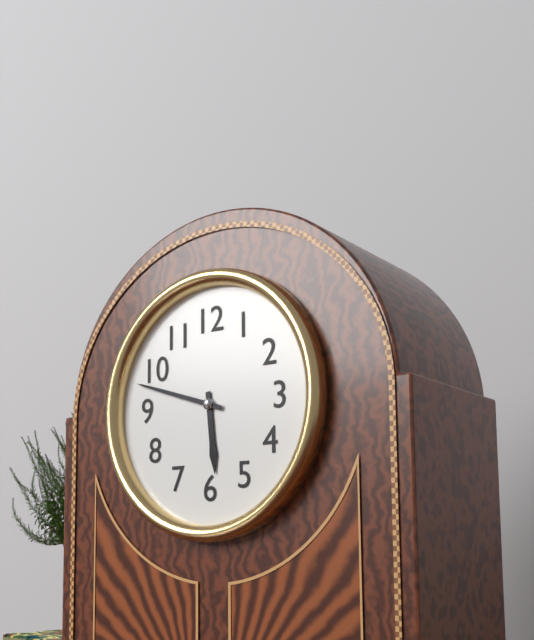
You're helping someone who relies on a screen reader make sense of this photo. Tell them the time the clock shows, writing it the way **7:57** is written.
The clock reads **5:48**
